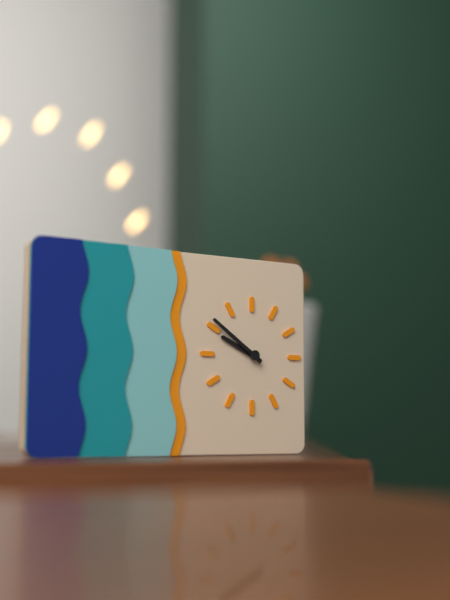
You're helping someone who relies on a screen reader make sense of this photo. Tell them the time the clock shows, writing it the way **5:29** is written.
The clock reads **9:51**
